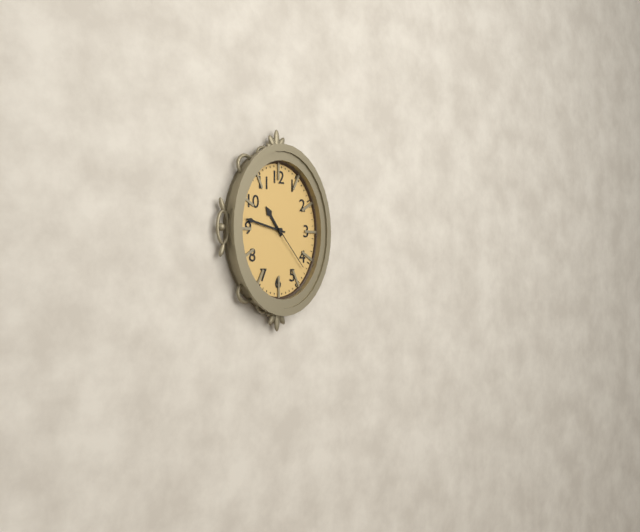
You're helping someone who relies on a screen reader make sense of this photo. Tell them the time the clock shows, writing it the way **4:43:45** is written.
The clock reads **10:47:23**
